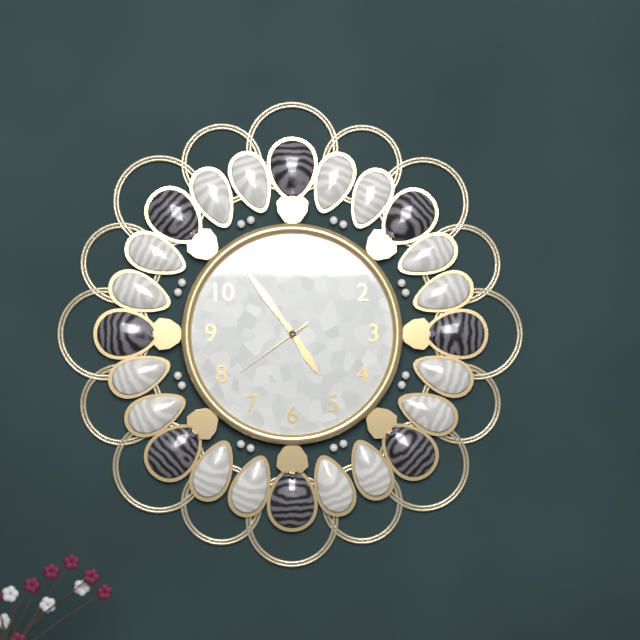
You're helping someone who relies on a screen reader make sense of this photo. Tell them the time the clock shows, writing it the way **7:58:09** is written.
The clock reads **4:54:39**
